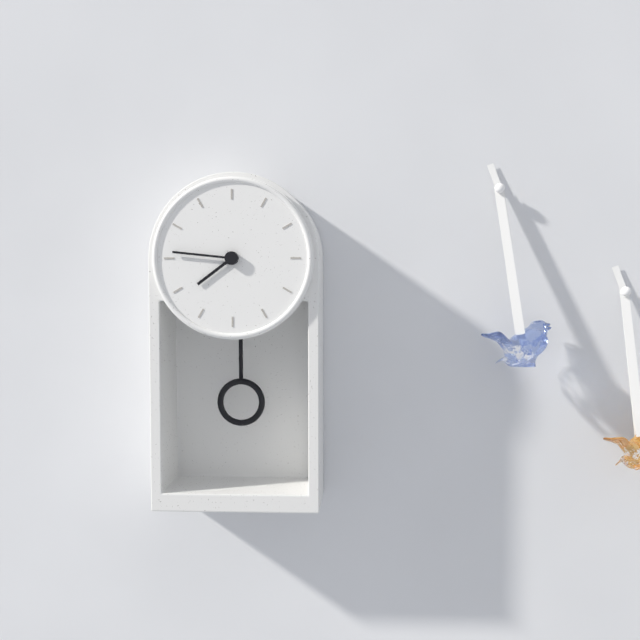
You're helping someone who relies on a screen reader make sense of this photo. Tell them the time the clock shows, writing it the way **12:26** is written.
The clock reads **7:46**
